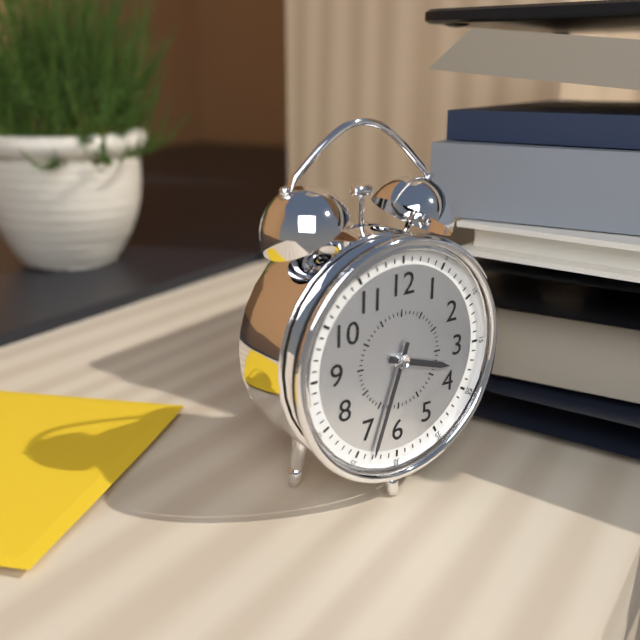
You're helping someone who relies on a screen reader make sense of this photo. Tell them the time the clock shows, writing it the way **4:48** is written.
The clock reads **3:33**
